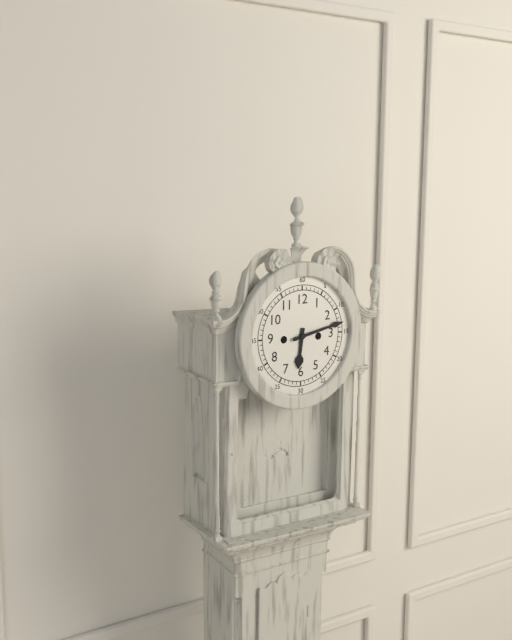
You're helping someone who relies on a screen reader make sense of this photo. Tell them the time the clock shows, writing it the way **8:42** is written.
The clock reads **6:13**
